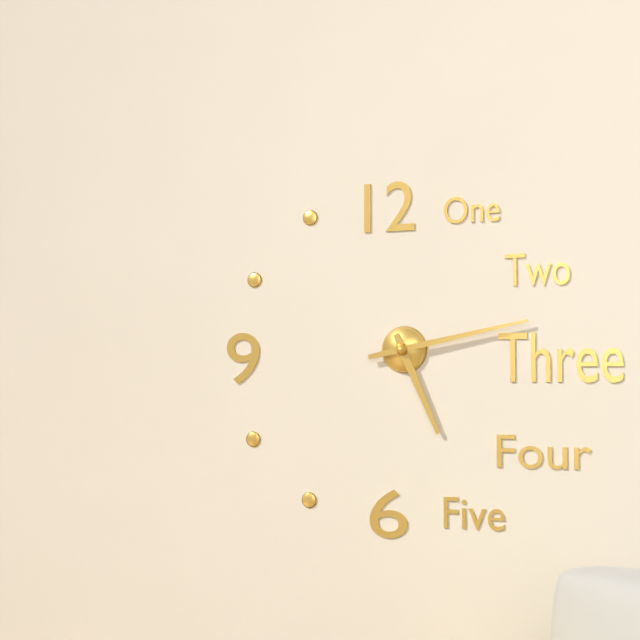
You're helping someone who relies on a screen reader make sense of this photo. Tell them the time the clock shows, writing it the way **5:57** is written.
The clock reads **5:13**
